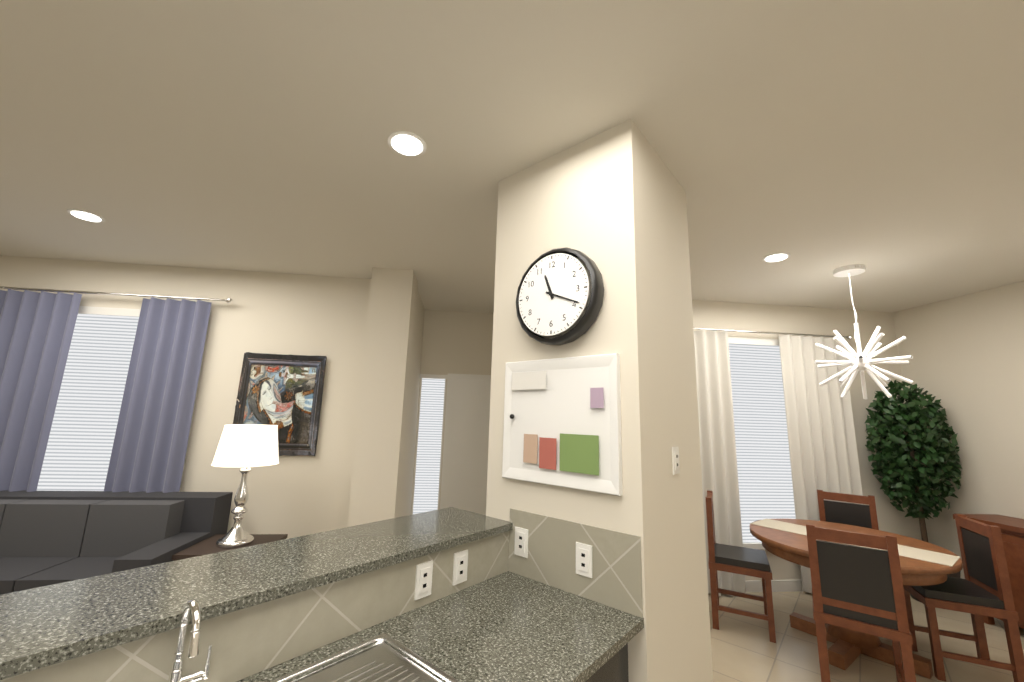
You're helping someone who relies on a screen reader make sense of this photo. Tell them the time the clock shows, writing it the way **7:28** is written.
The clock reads **11:19**
